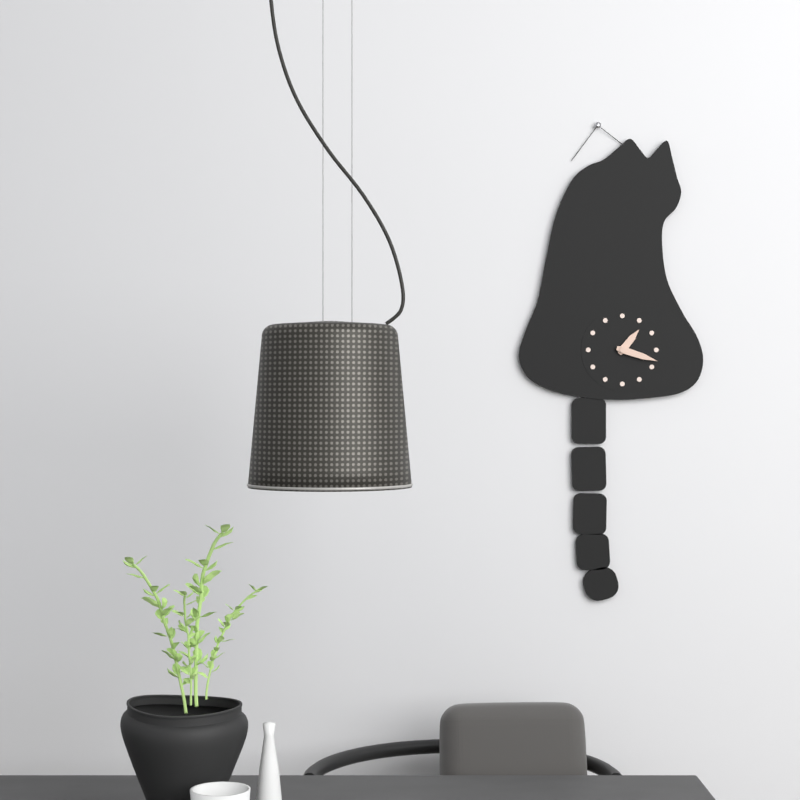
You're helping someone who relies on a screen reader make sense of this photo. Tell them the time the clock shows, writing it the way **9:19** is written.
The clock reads **1:18**
